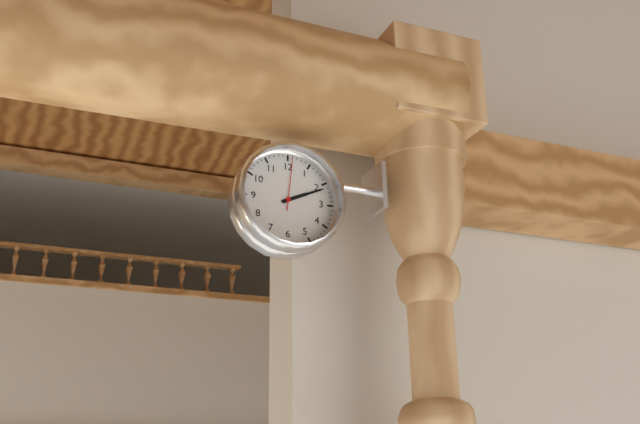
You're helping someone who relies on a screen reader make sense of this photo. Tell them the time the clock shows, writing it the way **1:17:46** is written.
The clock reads **2:11:01**
